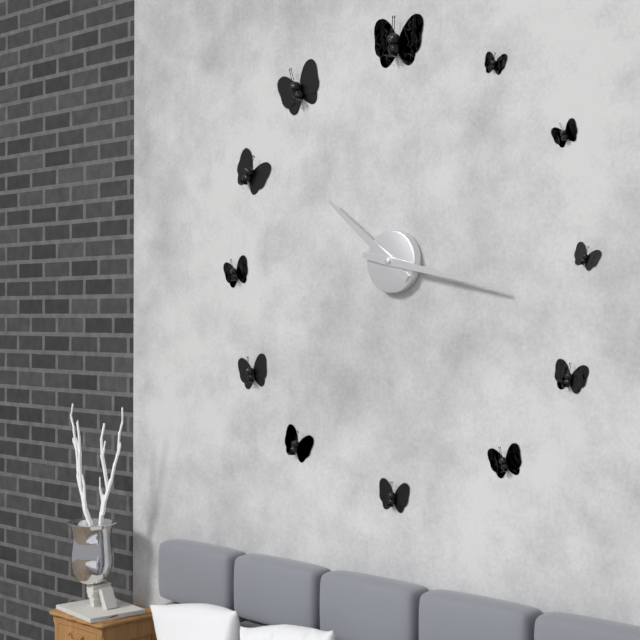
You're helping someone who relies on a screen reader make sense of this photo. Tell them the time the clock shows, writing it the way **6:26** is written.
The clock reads **10:17**
